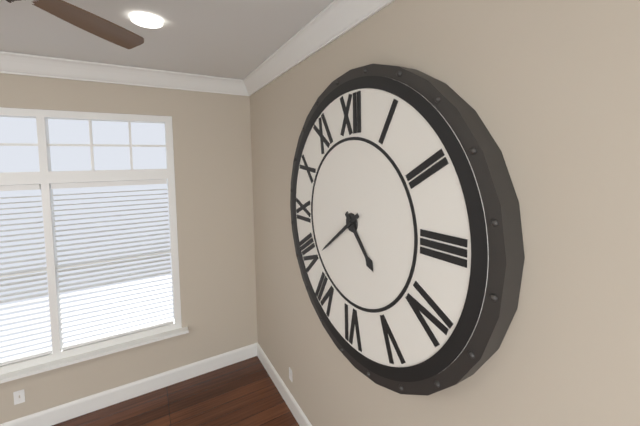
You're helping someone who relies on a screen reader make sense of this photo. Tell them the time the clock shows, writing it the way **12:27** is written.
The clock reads **4:39**
